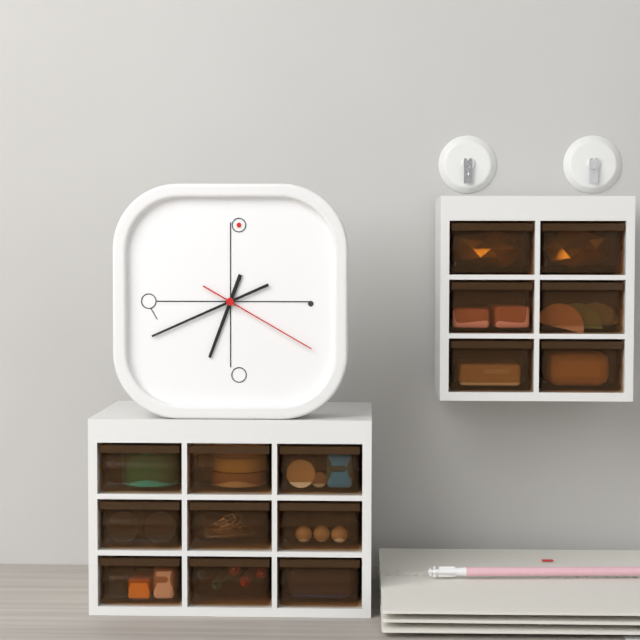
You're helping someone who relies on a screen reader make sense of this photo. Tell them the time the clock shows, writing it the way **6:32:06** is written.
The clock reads **6:41:20**
